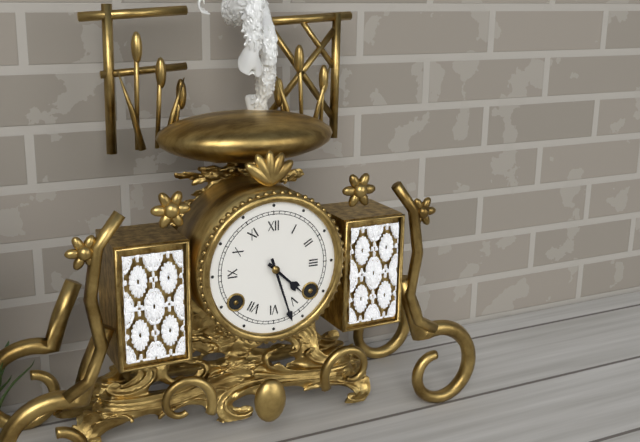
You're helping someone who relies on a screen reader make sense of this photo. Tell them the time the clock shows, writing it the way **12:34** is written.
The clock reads **4:27**
